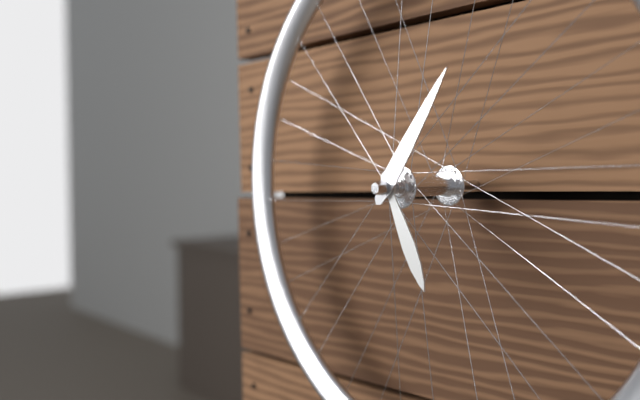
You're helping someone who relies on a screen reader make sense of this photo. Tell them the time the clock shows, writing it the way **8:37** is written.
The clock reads **5:06**
